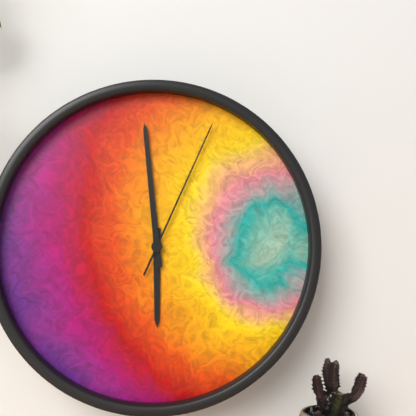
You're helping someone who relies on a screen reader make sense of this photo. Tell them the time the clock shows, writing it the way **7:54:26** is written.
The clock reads **5:59:04**
